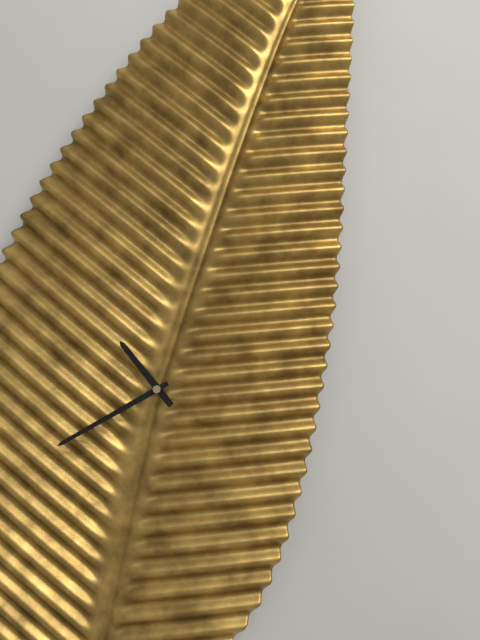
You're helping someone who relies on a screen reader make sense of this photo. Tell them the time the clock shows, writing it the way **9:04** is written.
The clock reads **10:40**
